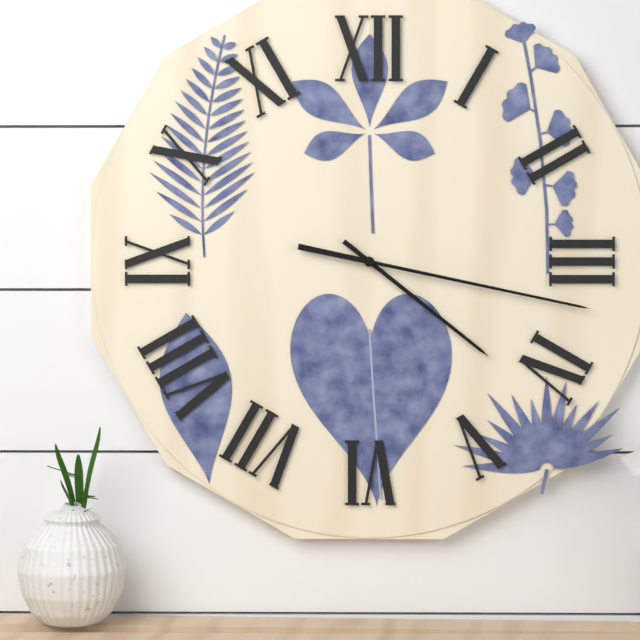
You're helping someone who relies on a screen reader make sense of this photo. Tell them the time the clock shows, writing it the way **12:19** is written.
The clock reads **4:17**
